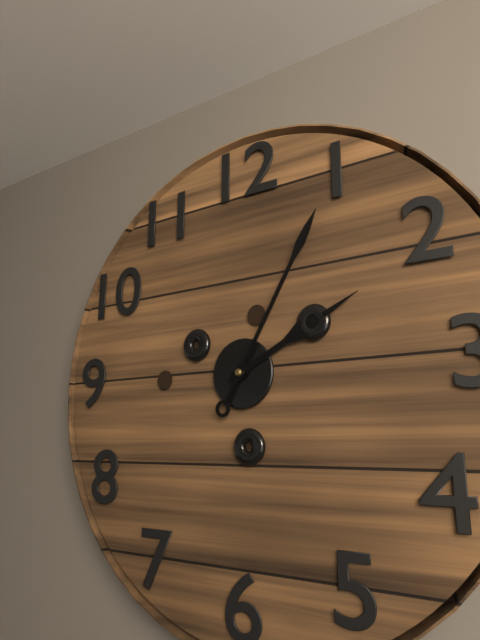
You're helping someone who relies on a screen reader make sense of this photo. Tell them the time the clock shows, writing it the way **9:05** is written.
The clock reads **2:05**
